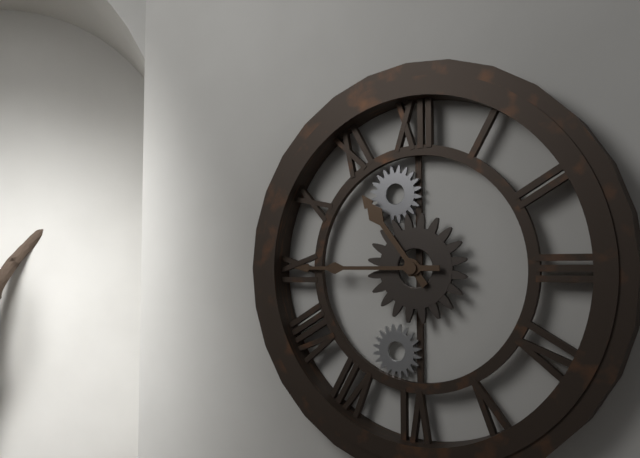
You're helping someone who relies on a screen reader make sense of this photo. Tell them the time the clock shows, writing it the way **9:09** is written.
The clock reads **10:45**
